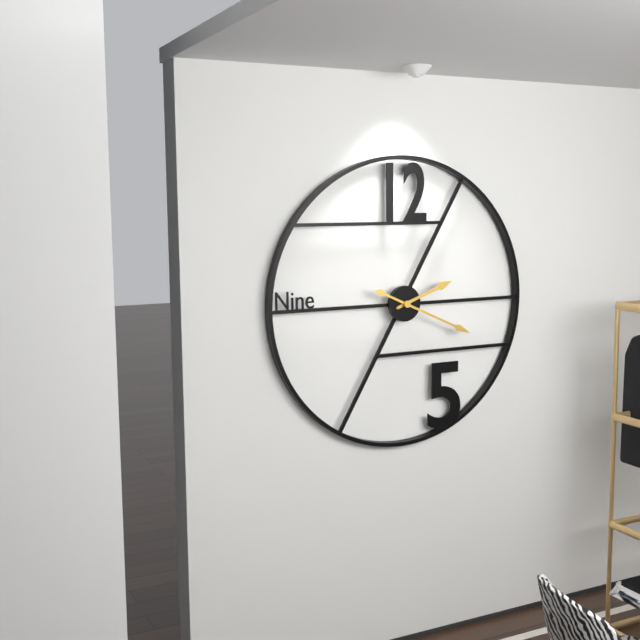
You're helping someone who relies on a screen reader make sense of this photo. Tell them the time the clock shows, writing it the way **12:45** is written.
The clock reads **2:19**
